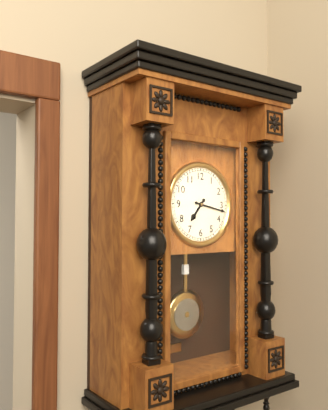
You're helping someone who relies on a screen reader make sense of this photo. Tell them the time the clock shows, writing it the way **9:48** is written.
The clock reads **7:17**
